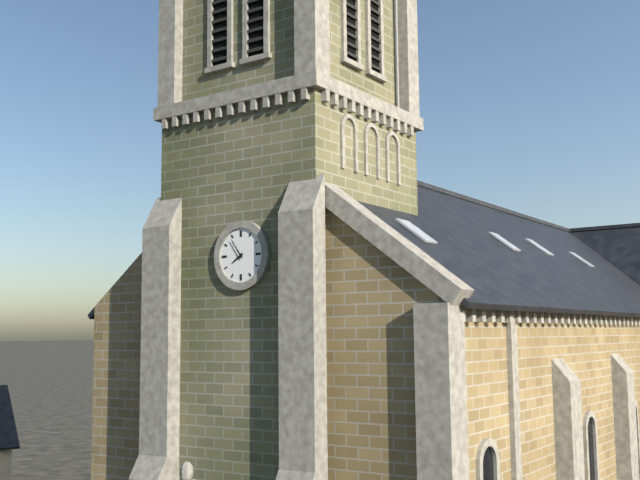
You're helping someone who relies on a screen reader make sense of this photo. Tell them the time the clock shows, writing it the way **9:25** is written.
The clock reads **7:54**
